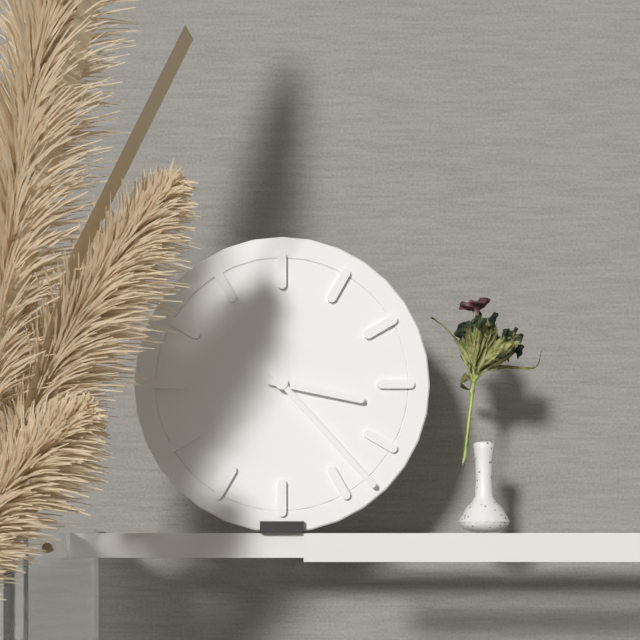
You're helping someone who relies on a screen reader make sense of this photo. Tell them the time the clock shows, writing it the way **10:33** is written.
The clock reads **3:23**
